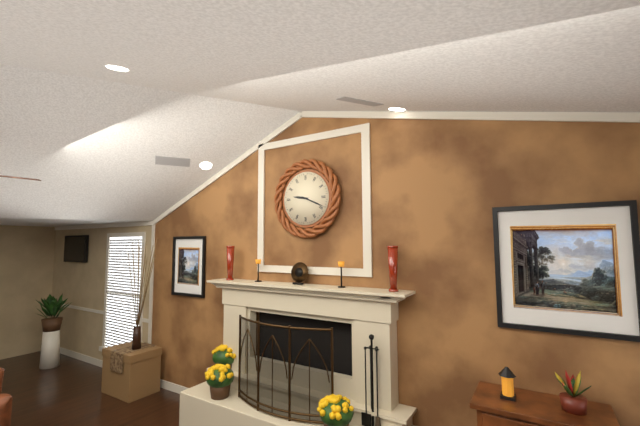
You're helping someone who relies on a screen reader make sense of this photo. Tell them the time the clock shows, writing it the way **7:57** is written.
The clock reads **9:19**
